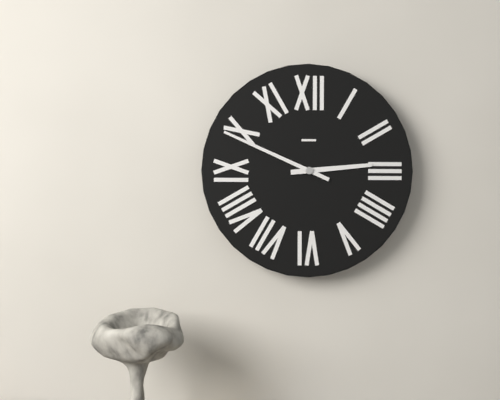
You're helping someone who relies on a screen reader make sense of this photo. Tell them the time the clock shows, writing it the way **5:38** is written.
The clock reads **2:49**
